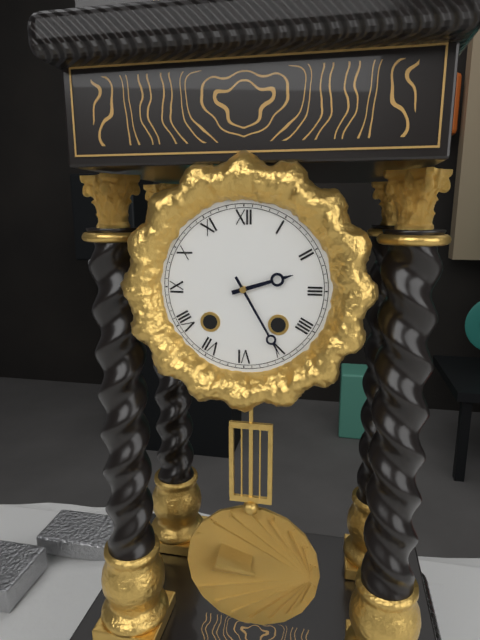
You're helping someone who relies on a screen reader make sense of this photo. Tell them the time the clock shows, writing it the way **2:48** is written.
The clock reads **2:25**
